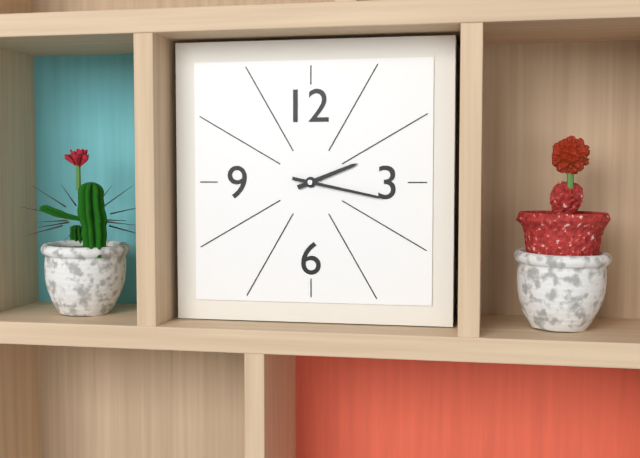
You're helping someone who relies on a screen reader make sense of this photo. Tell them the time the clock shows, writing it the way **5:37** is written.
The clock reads **2:17**
